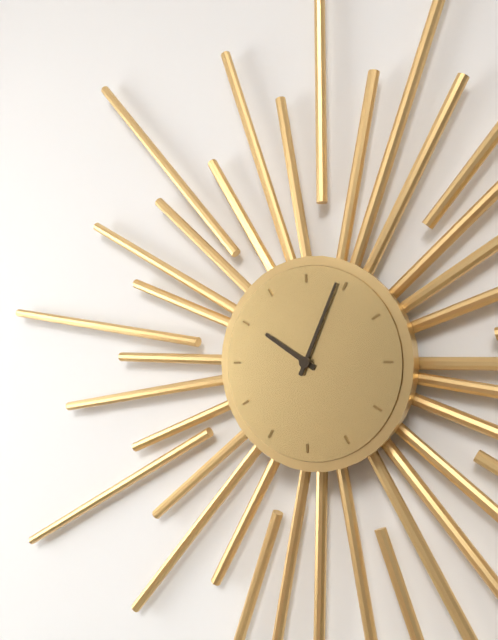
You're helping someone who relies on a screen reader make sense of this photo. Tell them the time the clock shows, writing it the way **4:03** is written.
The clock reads **10:04**
